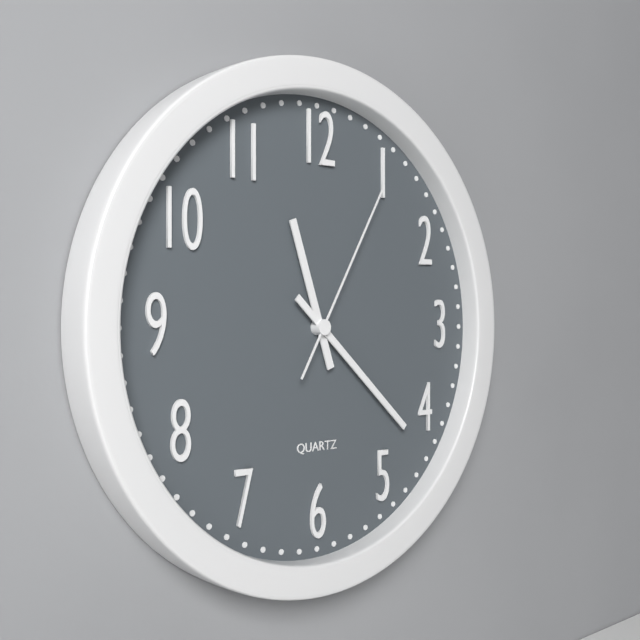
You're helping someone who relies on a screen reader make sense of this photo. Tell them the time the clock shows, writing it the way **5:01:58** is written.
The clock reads **11:22:05**
